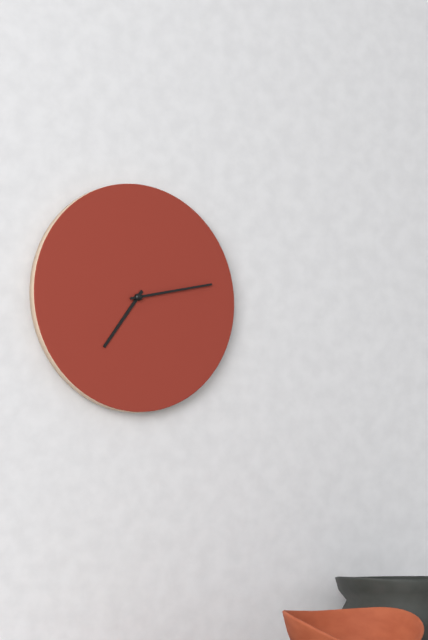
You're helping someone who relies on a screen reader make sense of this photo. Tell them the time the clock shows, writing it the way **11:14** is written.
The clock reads **7:13**
